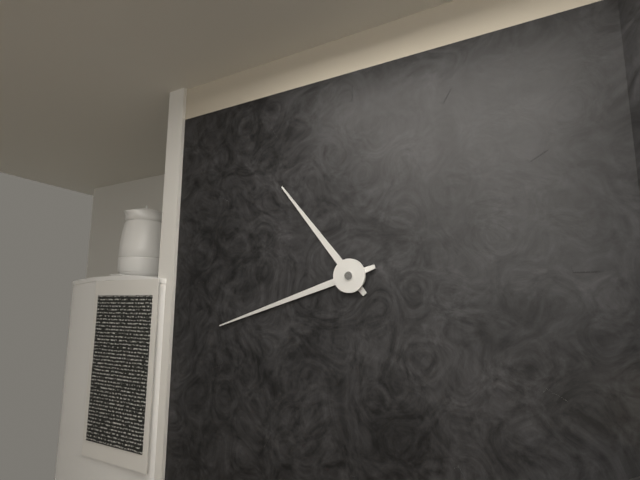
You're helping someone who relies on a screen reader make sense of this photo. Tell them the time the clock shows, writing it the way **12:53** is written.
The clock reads **10:42**
